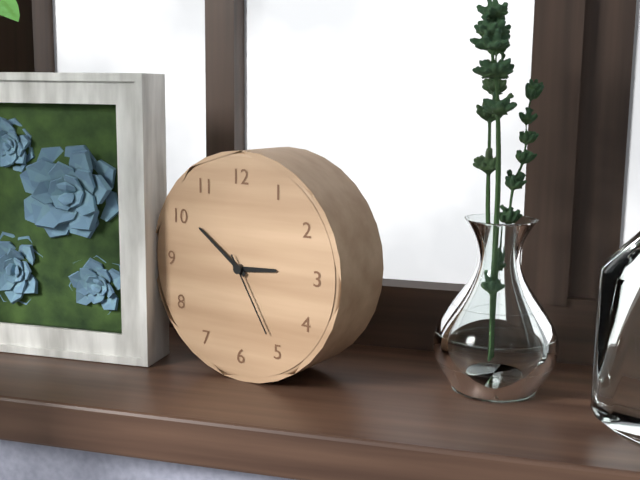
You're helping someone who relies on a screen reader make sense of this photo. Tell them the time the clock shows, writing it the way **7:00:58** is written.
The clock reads **2:51:25**
